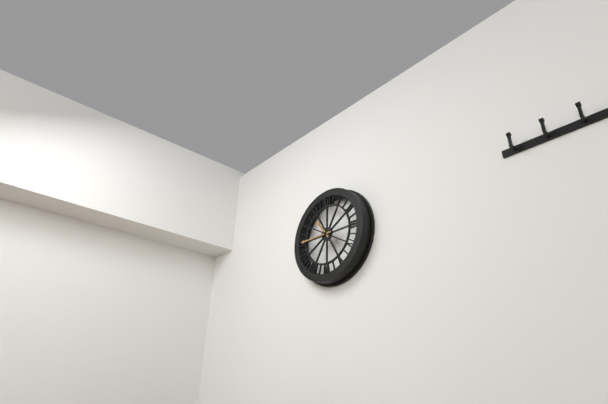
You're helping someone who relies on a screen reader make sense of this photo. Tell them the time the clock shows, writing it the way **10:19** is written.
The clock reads **10:45**
